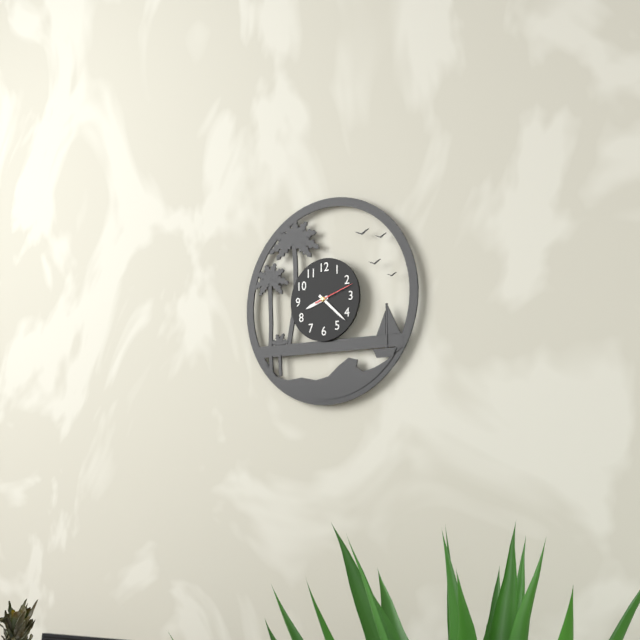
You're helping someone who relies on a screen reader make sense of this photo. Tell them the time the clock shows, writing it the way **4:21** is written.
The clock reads **8:22**
